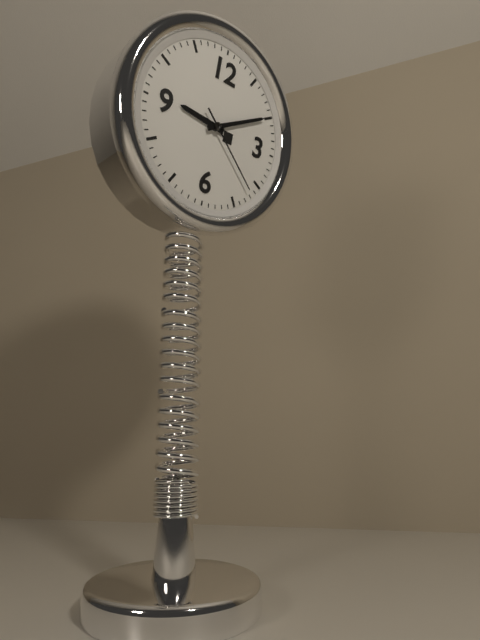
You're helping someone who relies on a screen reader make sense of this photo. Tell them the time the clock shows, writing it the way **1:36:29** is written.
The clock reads **9:10:22**
